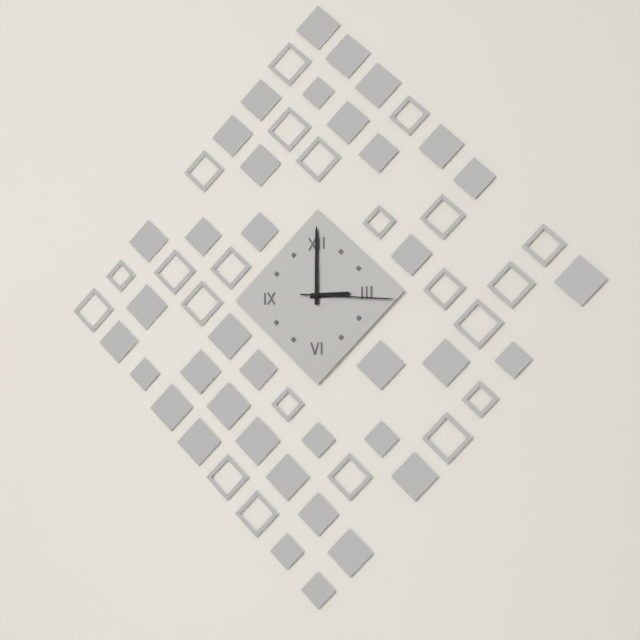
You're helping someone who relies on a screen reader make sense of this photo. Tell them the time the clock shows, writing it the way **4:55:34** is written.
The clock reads **3:00:16**
